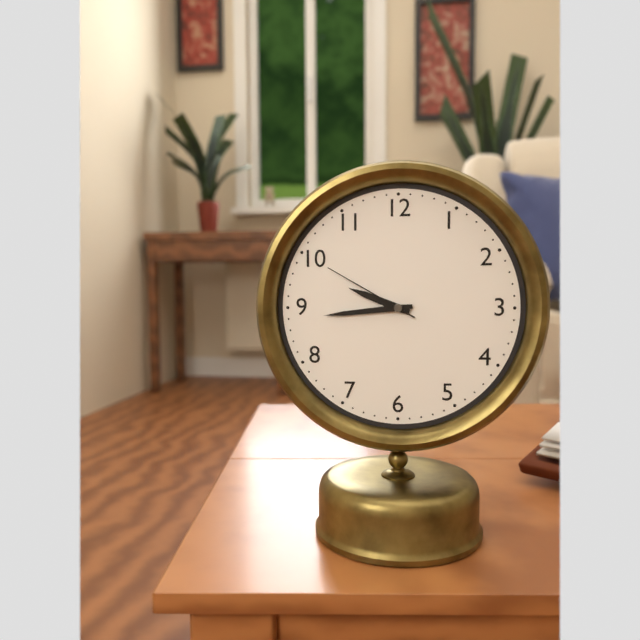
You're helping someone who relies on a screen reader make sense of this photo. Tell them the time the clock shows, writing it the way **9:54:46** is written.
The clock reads **9:44:50**
